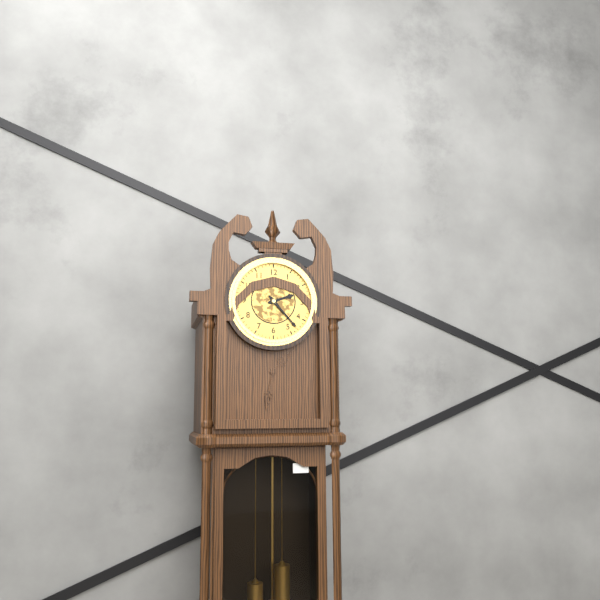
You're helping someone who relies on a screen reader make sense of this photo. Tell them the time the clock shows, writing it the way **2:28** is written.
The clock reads **2:23**
